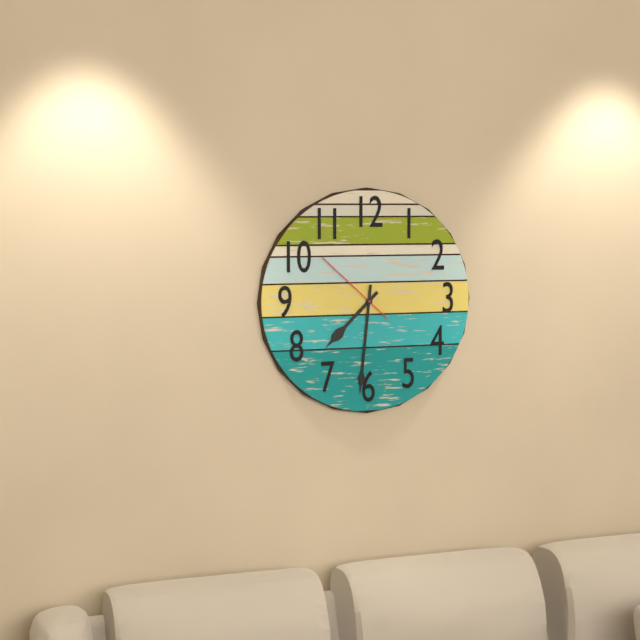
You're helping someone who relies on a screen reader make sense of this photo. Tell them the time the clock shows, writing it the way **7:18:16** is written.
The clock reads **7:31:52**
